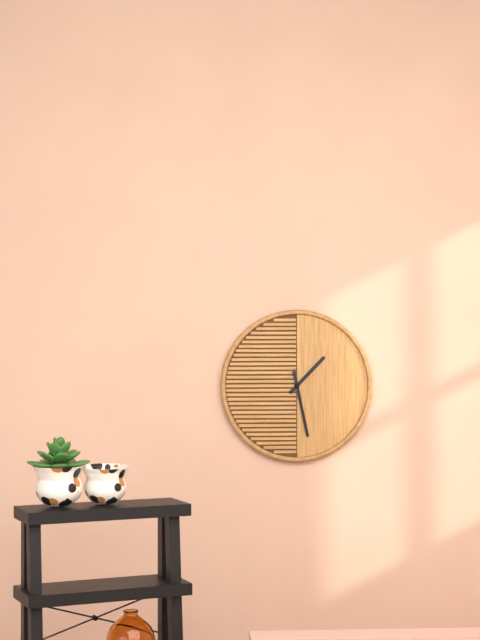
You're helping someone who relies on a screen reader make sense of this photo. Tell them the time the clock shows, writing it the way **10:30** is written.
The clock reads **1:28**
